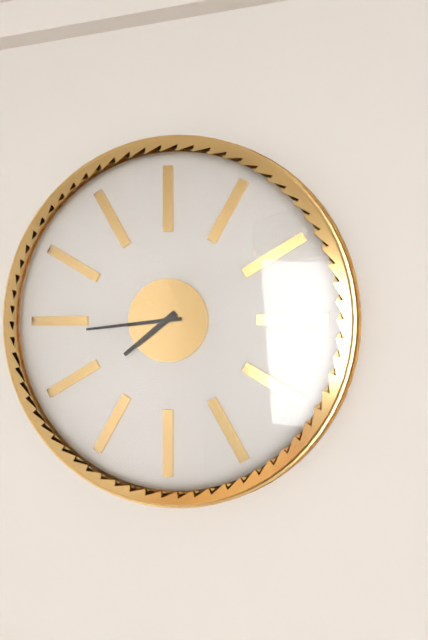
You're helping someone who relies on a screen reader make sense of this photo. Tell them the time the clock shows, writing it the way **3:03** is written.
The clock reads **7:44**
